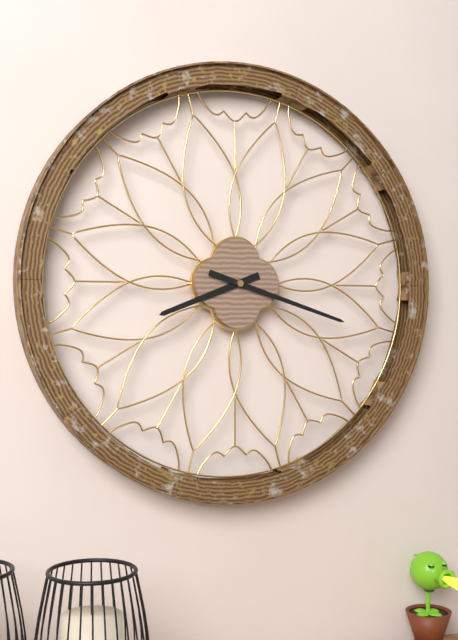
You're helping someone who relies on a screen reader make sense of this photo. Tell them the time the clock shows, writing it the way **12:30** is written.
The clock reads **8:18**
